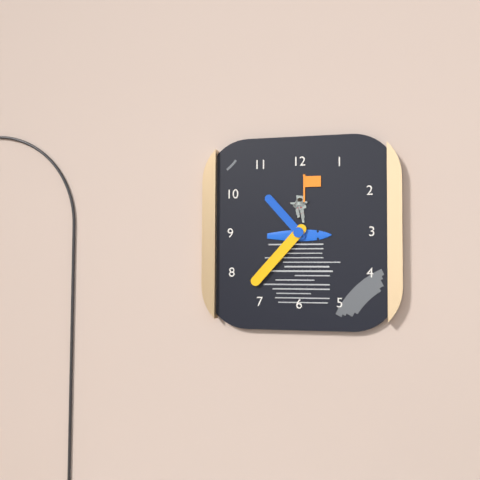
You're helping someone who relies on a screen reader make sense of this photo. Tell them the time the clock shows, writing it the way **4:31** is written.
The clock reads **10:37**
